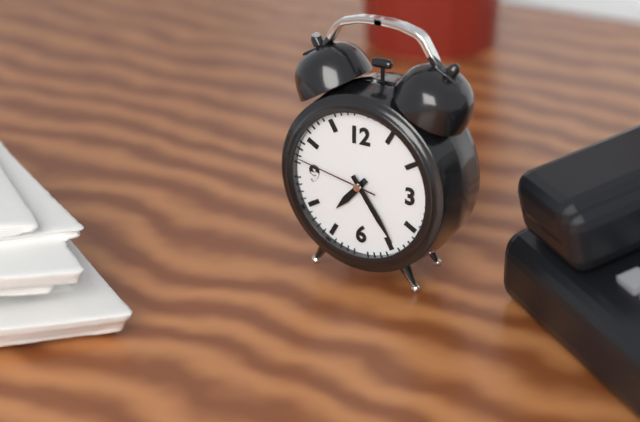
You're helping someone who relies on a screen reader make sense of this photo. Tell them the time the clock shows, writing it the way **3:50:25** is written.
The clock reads **7:24:47**
